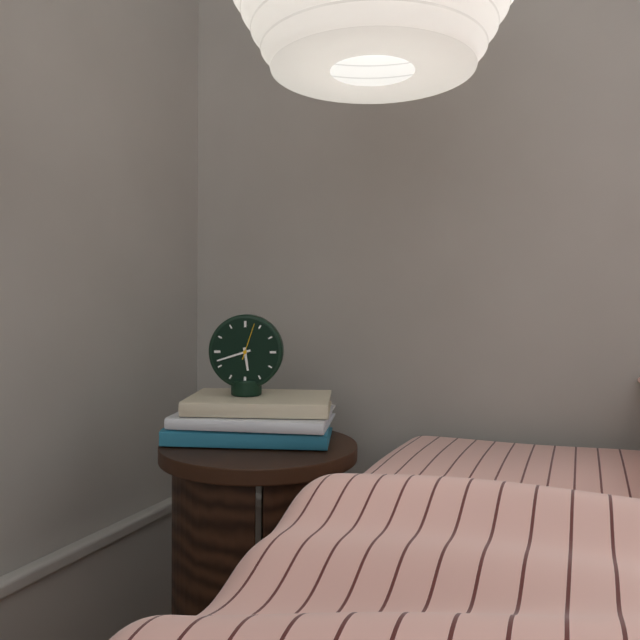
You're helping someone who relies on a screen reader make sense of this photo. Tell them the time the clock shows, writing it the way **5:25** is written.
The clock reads **5:42**
